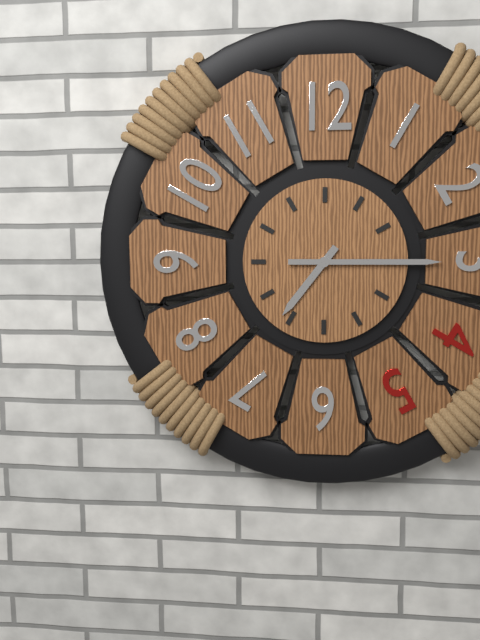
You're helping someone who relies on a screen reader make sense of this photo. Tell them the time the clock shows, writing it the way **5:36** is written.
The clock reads **7:15**
